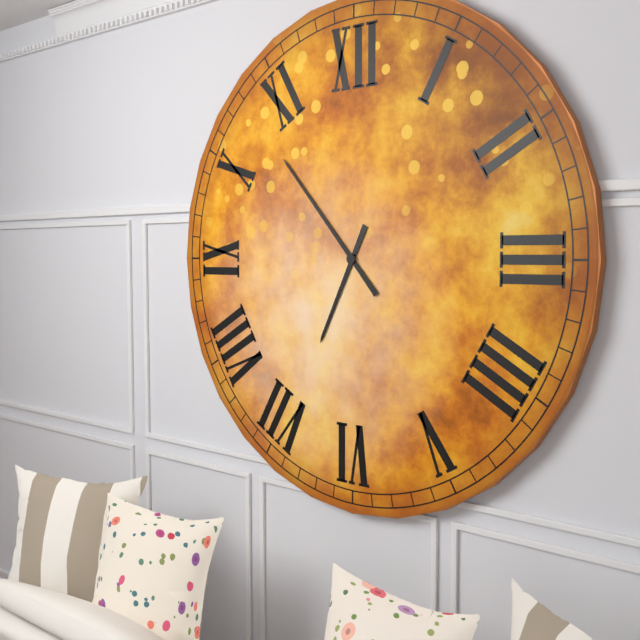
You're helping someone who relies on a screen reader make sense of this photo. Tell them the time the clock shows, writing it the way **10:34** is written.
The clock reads **6:53**
